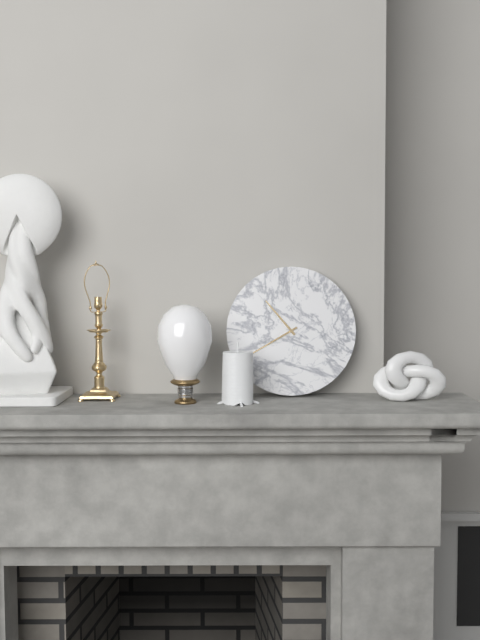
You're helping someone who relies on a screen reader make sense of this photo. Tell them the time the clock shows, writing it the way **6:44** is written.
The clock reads **10:40**
